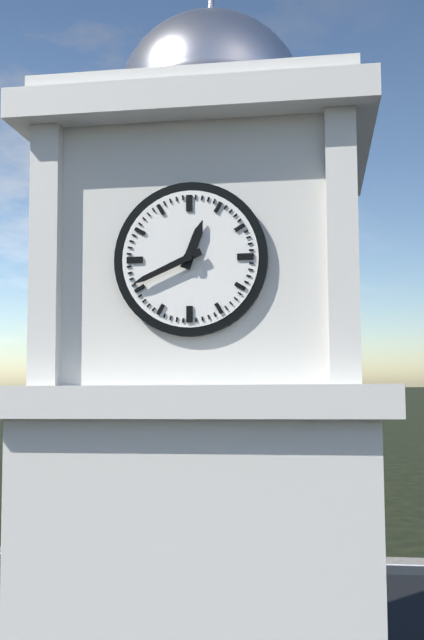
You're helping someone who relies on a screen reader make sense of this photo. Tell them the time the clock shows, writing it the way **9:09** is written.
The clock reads **12:41**
